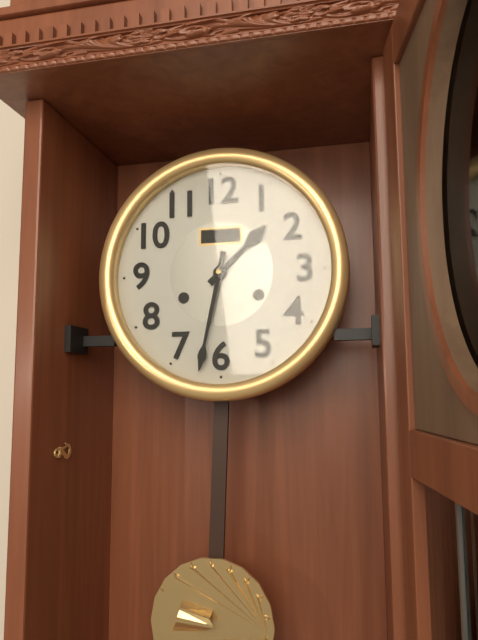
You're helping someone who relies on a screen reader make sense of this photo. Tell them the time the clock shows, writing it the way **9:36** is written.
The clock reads **1:32**
